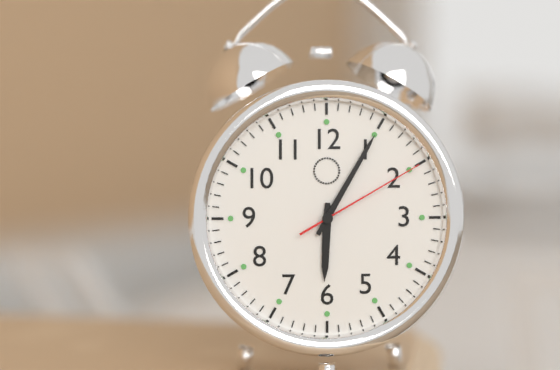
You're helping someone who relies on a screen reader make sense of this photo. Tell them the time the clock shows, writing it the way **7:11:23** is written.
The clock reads **6:05:10**
